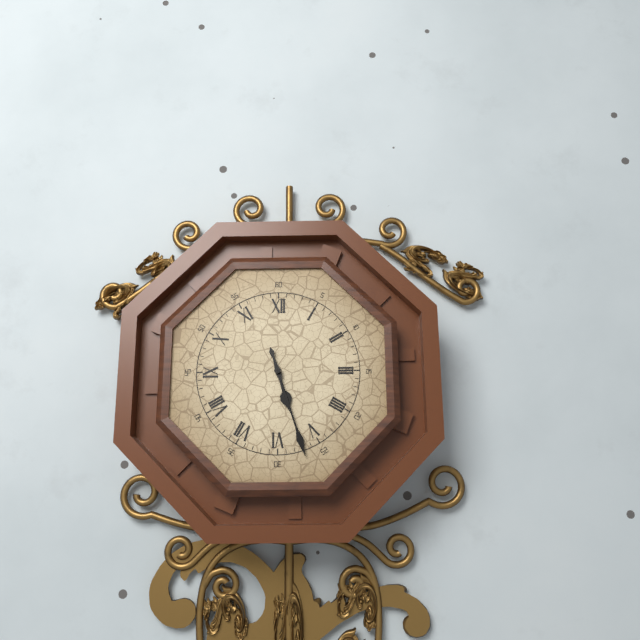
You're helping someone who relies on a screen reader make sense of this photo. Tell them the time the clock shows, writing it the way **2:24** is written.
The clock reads **5:27**
